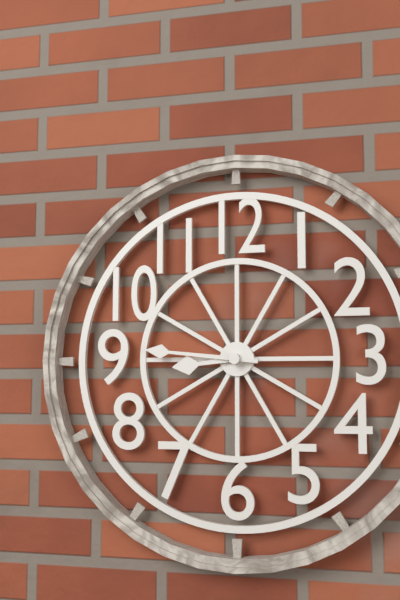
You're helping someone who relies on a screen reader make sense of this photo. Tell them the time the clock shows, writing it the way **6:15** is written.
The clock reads **8:46**
